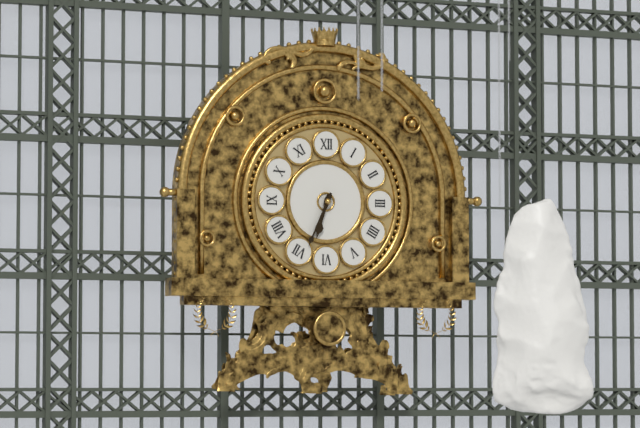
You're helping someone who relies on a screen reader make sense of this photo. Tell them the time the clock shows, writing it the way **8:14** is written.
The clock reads **6:34**
